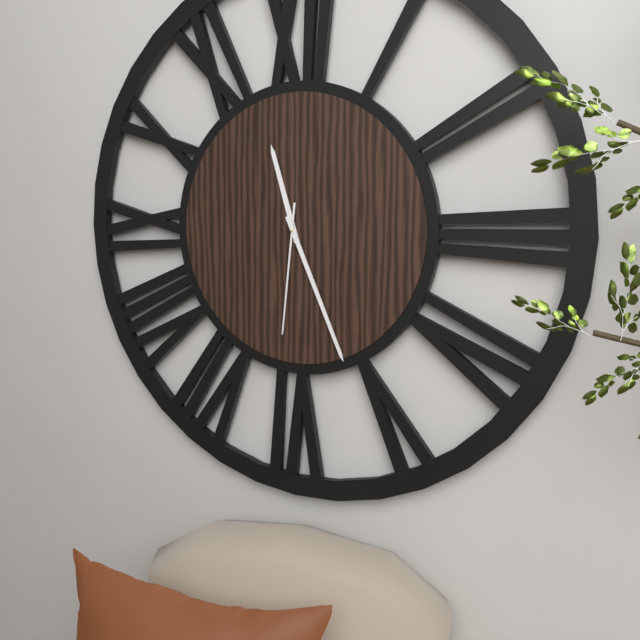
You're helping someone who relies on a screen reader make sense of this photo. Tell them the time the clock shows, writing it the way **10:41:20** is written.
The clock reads **11:26:31**
